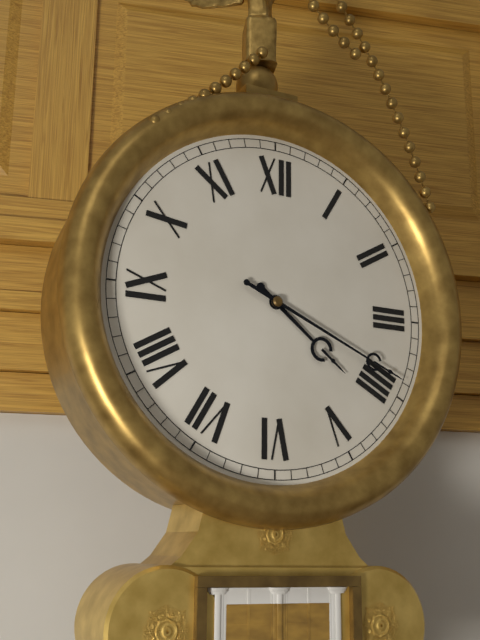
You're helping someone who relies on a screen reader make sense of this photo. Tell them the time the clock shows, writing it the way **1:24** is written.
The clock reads **4:19**
